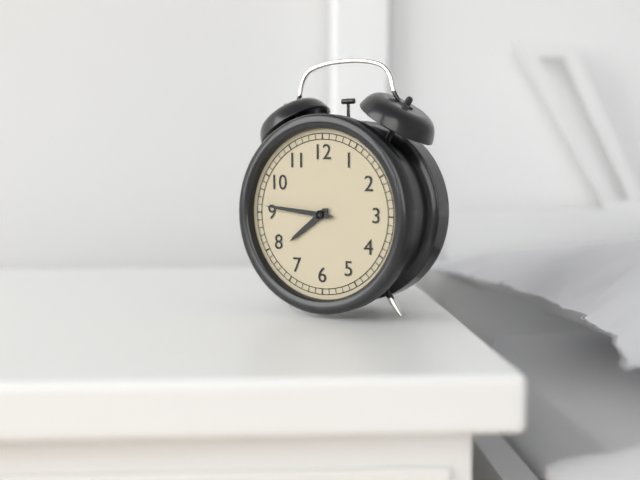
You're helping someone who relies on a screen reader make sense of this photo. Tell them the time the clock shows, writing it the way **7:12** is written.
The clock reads **7:46**
